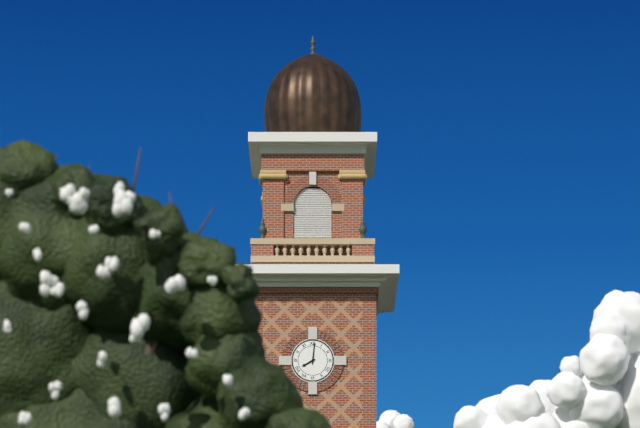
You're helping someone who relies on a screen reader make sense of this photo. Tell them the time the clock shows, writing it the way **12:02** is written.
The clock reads **8:01**
